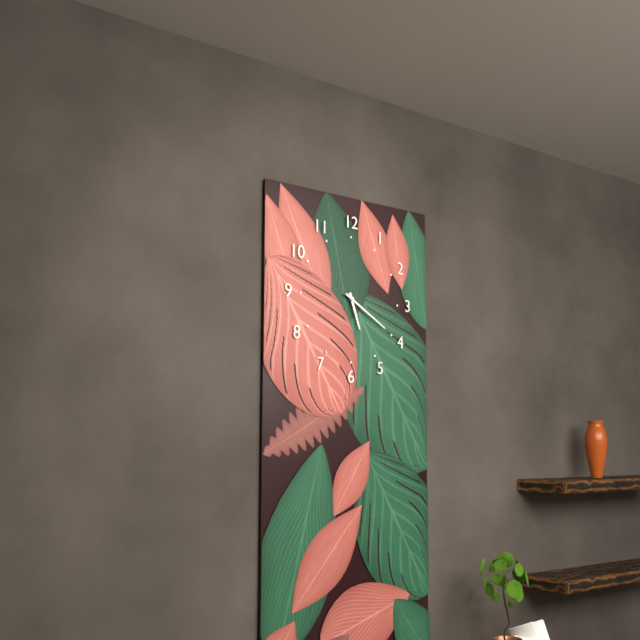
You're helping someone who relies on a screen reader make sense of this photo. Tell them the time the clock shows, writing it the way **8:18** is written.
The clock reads **5:20**
